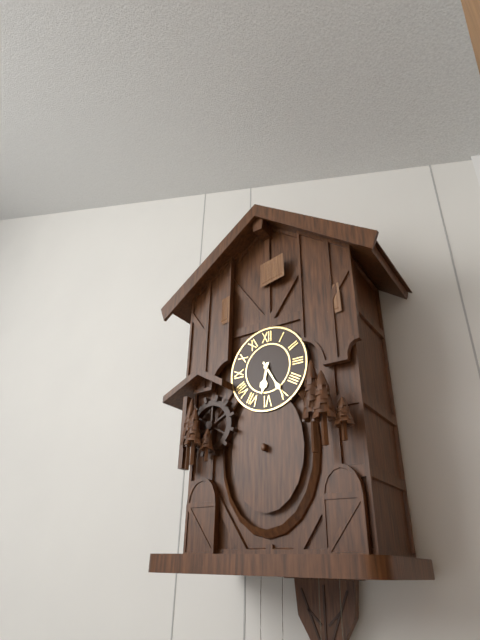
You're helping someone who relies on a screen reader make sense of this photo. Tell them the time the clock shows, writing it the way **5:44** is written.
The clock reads **6:25**
